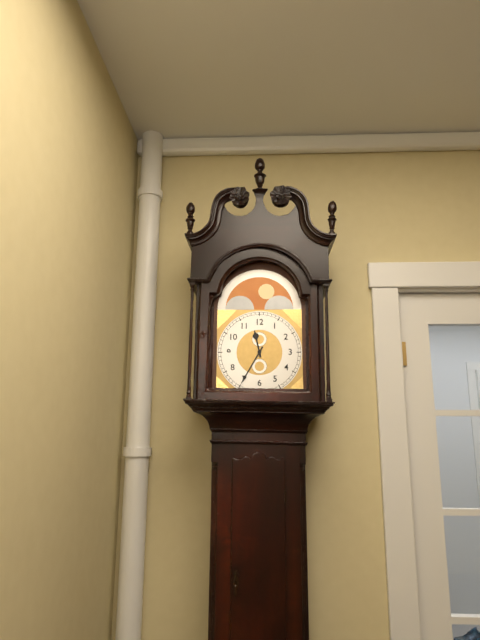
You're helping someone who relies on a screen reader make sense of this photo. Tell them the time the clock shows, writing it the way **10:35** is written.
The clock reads **11:35**
